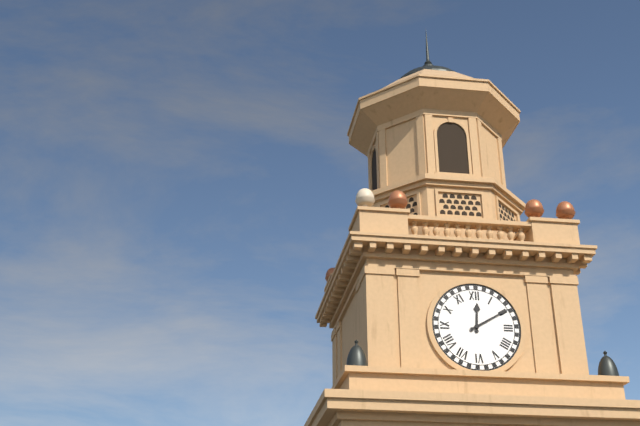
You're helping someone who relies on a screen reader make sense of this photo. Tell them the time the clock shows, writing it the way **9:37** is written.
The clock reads **12:10**
